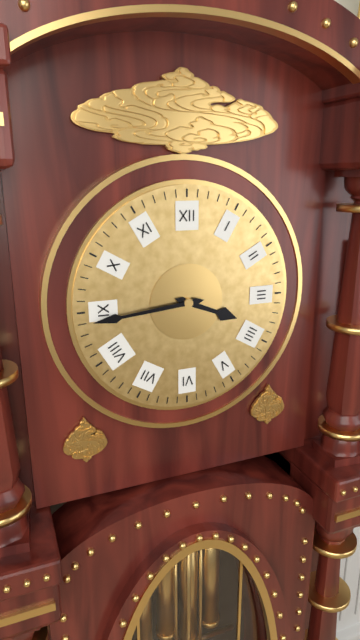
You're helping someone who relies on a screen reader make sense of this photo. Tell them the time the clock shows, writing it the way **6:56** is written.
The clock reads **3:44**
